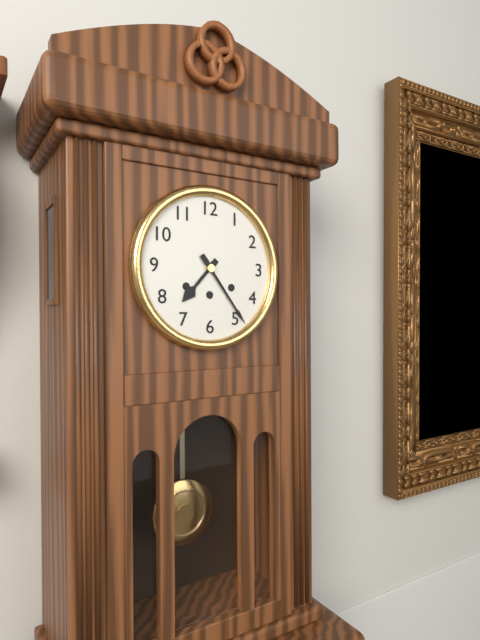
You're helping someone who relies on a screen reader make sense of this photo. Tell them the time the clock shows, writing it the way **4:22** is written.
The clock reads **7:24**
